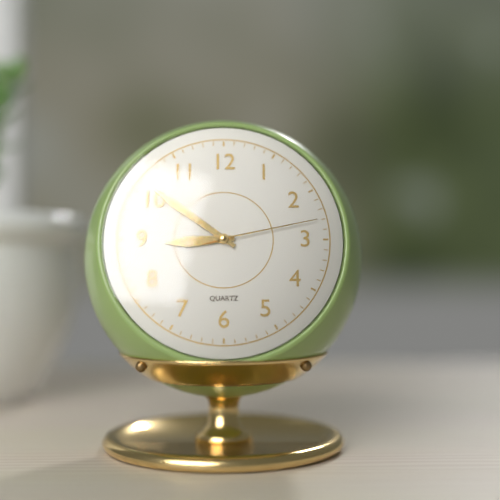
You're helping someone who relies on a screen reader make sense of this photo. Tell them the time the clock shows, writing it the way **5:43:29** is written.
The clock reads **8:51:13**
